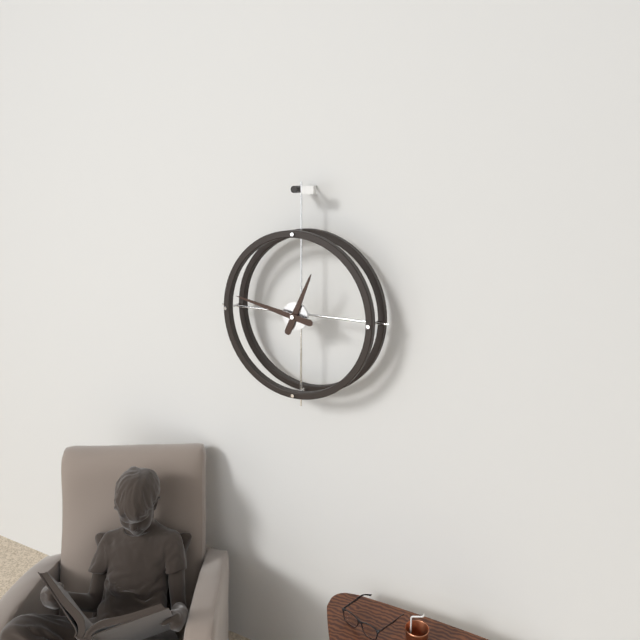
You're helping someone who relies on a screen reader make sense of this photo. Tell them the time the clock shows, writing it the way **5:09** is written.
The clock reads **12:47**
